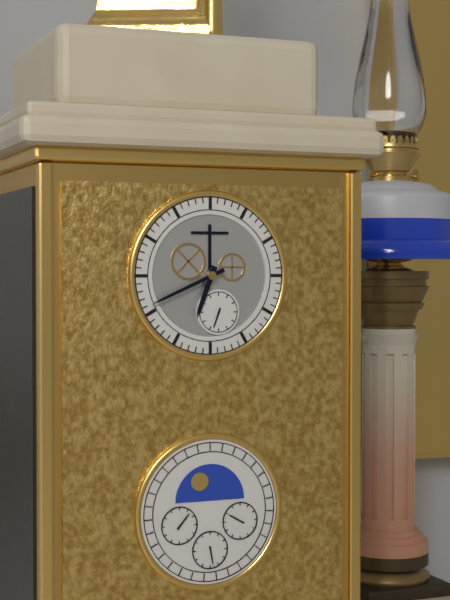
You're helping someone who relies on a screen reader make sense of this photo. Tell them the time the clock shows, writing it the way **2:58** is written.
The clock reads **6:41**
